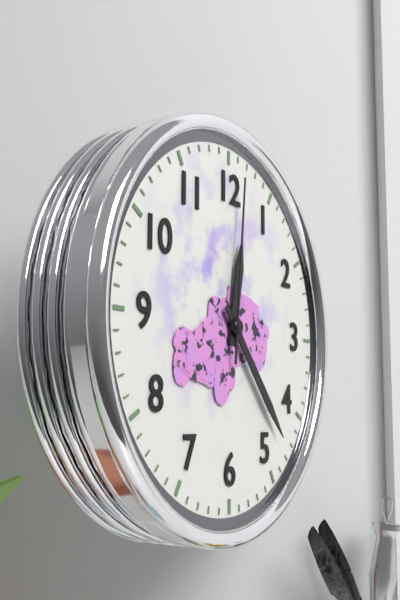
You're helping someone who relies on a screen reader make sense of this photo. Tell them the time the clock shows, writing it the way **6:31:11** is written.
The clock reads **12:23:01**
